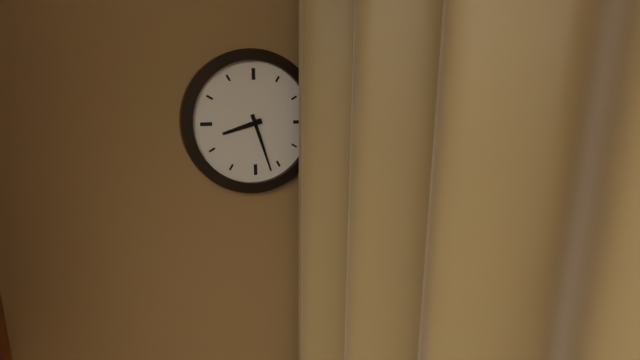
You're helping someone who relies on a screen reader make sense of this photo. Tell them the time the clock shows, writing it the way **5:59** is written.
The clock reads **8:27**
